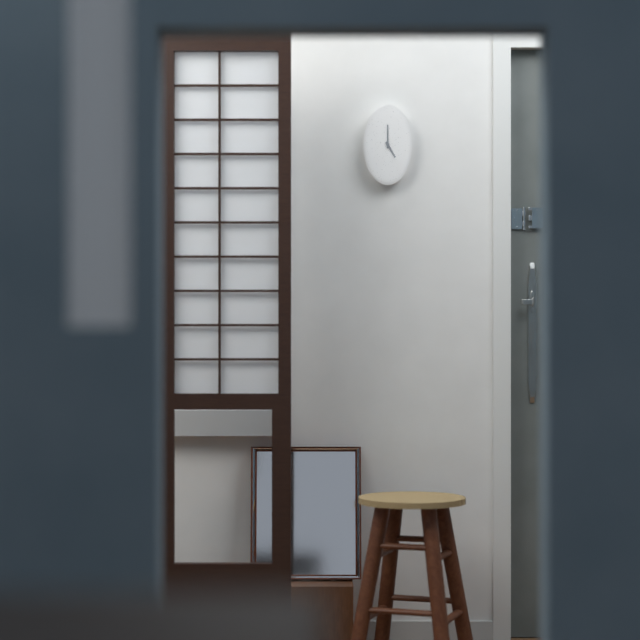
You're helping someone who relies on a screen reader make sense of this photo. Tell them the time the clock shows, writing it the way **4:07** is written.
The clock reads **5:00**
